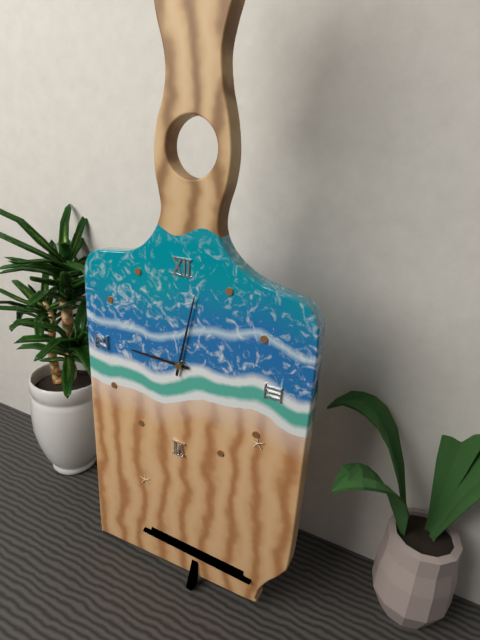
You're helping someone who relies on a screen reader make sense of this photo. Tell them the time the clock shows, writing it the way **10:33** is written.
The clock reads **9:02**
